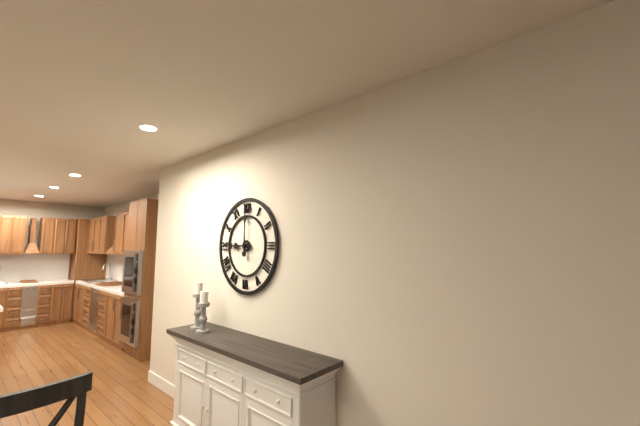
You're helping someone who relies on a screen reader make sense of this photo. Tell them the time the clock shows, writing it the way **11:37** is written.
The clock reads **9:00**
